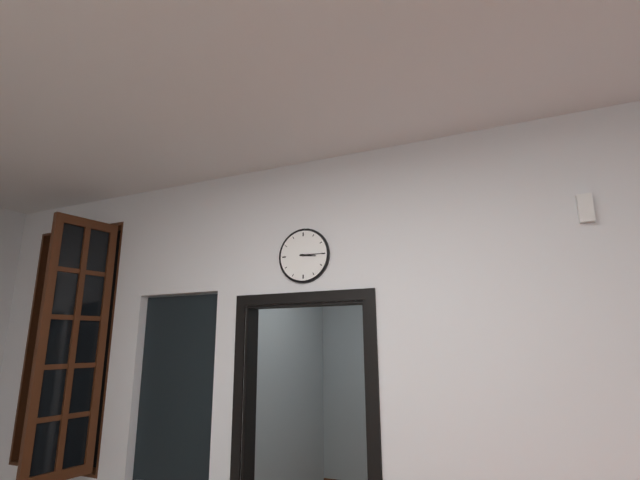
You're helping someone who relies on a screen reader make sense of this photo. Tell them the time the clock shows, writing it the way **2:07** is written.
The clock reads **3:15**
